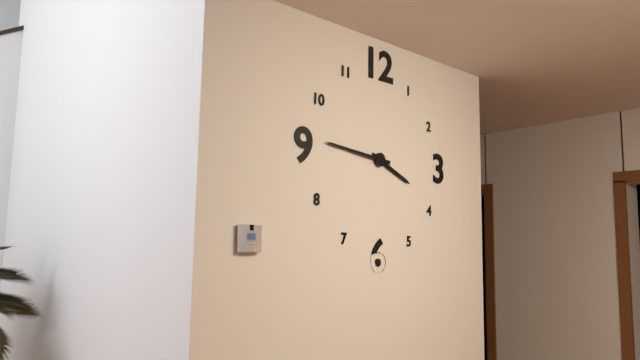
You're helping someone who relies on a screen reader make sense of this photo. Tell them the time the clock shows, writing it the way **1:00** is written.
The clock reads **3:46**
